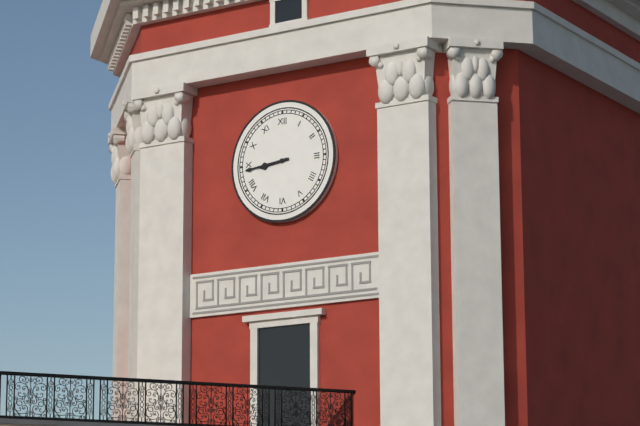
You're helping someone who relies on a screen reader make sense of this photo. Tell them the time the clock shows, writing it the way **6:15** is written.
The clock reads **8:44**
